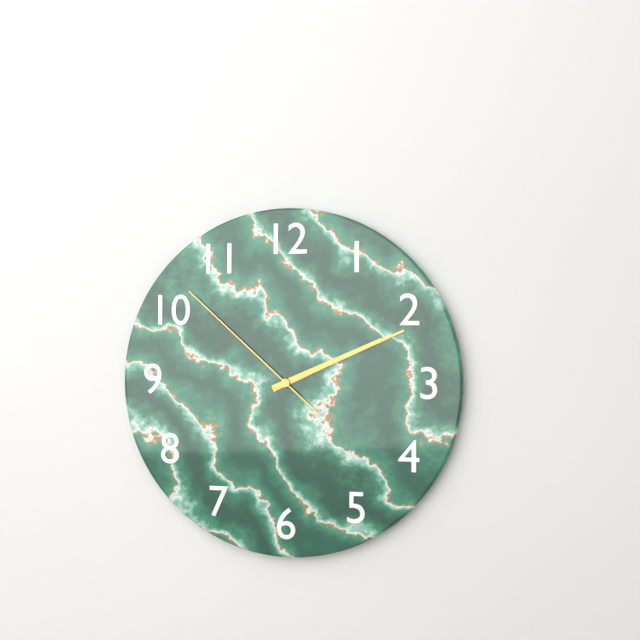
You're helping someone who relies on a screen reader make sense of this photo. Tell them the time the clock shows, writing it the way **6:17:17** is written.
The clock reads **2:11:52**
